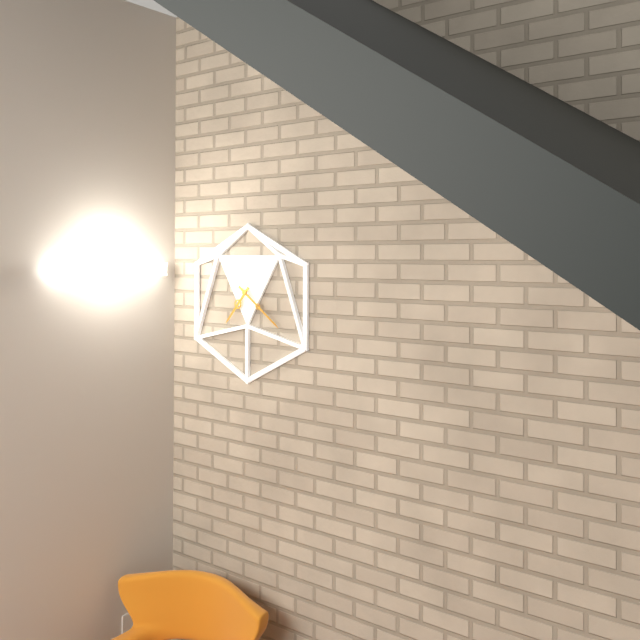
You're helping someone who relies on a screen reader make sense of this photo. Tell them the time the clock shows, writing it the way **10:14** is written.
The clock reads **7:21**
